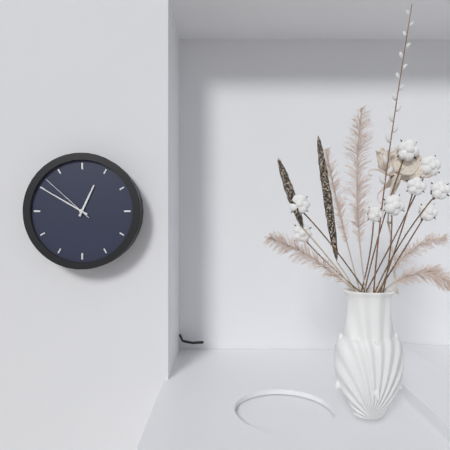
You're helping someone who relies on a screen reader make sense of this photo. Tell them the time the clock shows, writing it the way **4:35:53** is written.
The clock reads **12:50:52**
